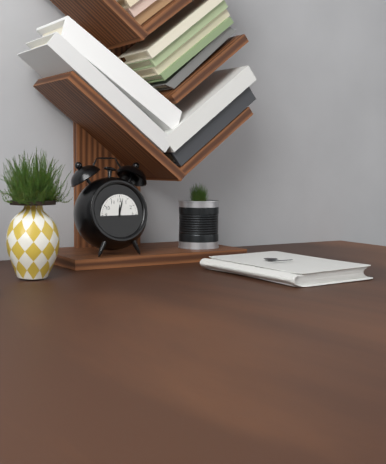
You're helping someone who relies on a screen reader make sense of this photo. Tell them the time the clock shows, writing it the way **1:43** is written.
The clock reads **12:02**
